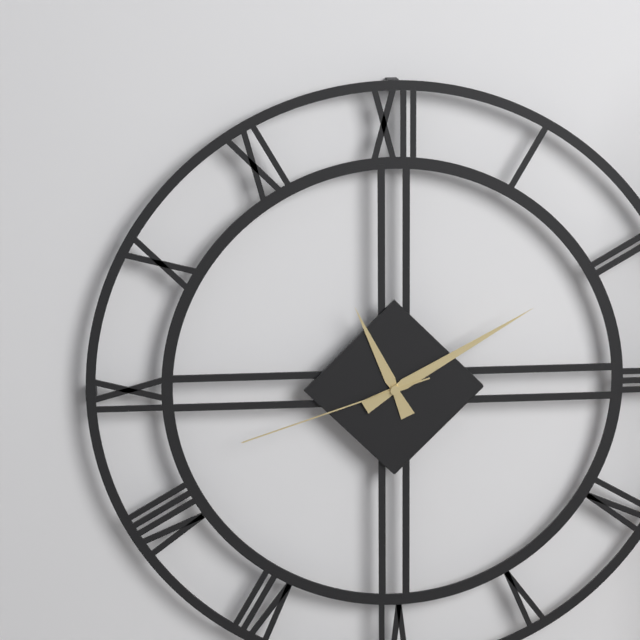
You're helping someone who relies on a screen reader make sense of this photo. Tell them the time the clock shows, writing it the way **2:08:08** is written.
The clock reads **11:10:42**
